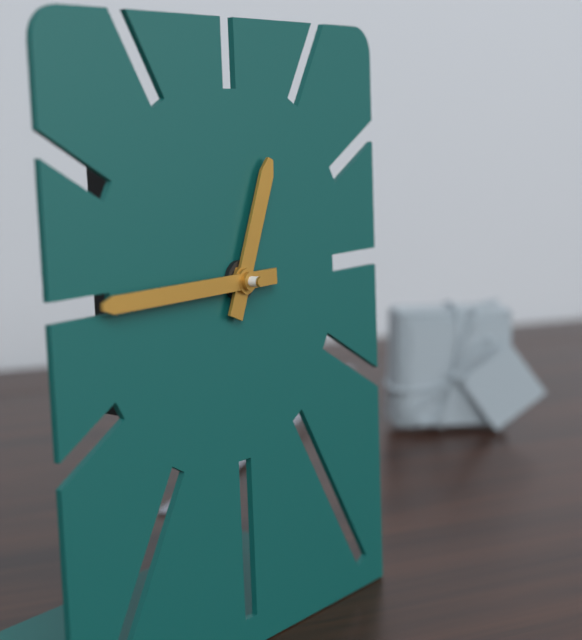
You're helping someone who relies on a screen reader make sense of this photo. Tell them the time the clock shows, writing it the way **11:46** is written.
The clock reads **12:45**
